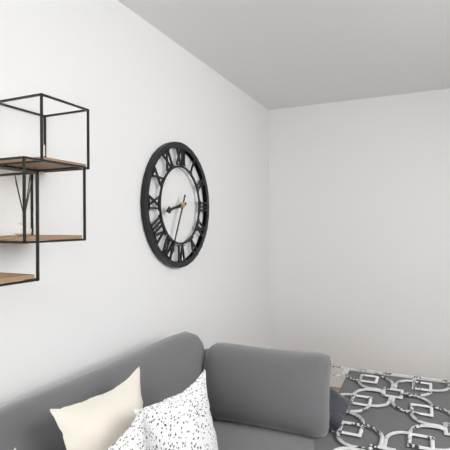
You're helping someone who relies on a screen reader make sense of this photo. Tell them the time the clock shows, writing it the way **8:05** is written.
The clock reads **8:34**
